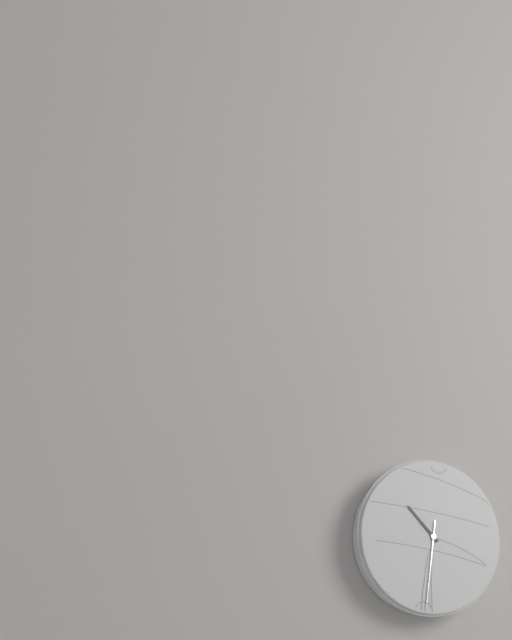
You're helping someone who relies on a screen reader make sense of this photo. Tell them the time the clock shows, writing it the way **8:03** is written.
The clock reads **10:31**
